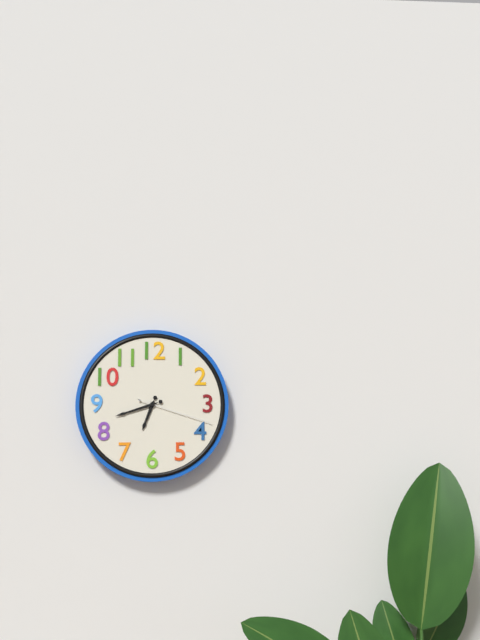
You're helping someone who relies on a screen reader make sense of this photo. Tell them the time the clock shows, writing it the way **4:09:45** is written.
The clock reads **6:42:18**
